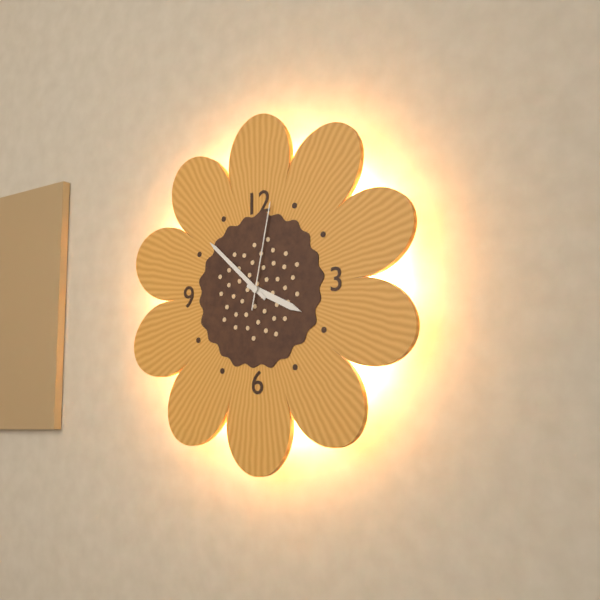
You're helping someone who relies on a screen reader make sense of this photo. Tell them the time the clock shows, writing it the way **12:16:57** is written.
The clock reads **3:52:02**
